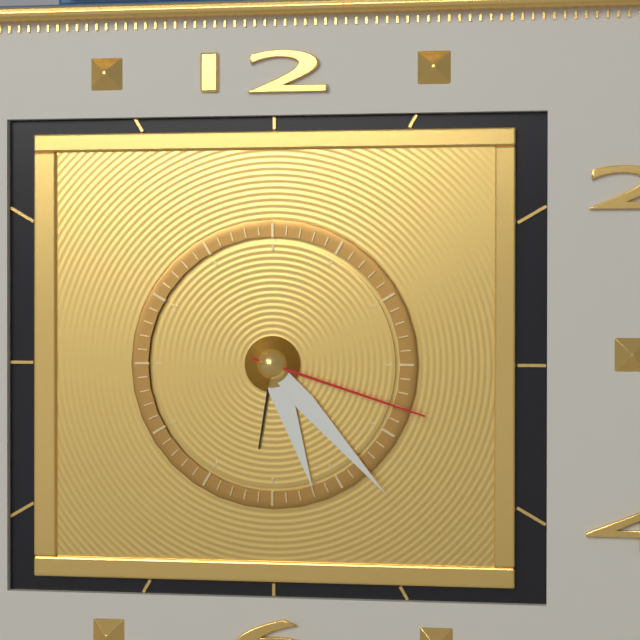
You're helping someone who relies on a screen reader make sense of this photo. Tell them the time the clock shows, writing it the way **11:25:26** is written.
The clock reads **5:23:18**
